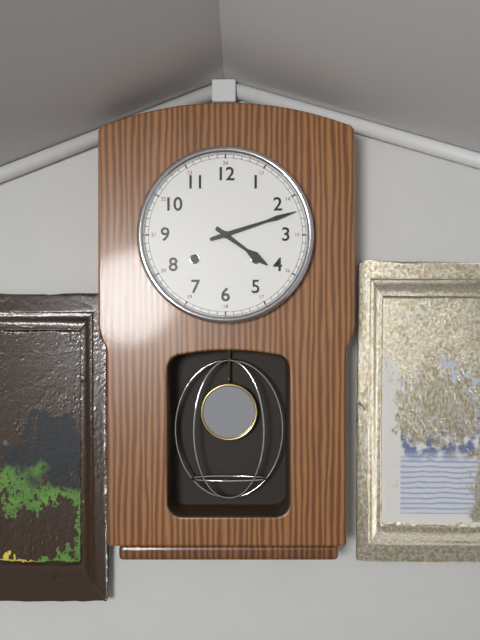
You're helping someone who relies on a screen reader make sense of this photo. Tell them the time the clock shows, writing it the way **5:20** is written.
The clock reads **4:12**
